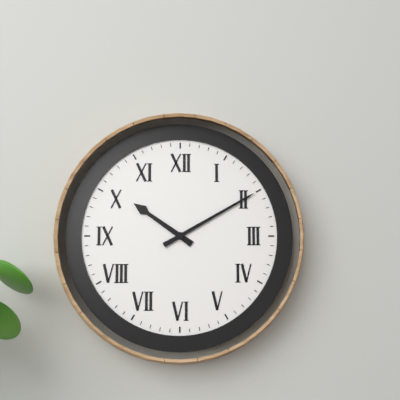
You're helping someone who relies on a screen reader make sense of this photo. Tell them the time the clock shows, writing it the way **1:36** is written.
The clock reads **10:10**
